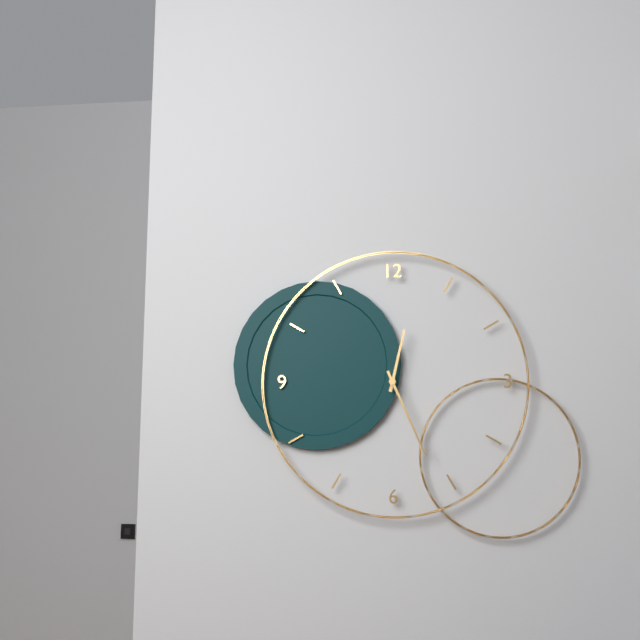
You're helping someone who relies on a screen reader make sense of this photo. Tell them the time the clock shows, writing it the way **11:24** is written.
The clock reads **12:26**
